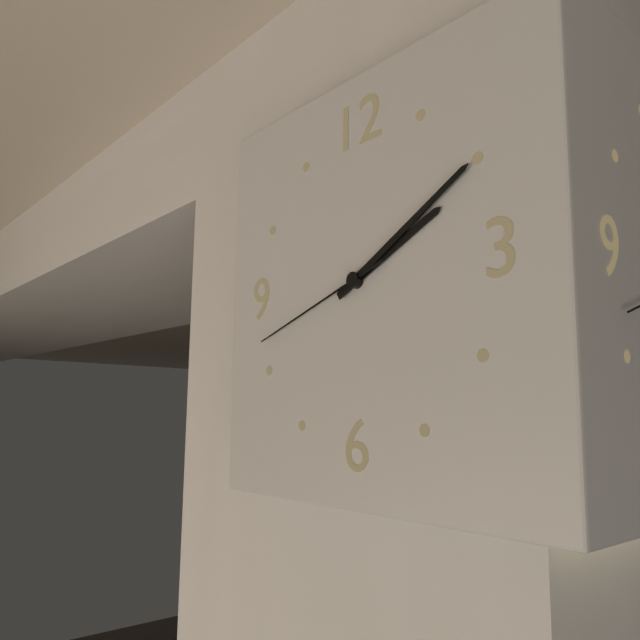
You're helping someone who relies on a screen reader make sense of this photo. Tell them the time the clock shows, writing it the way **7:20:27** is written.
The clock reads **2:10:42**
